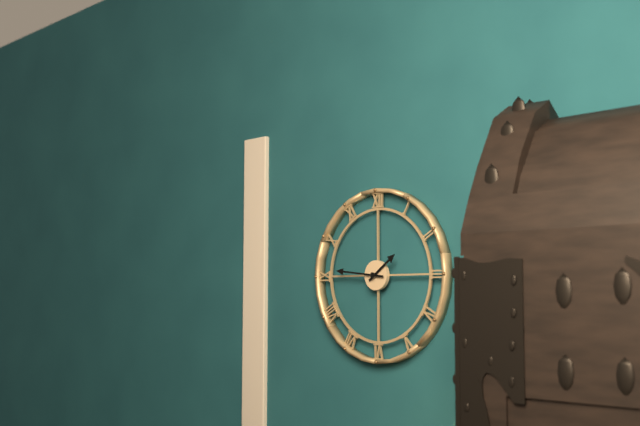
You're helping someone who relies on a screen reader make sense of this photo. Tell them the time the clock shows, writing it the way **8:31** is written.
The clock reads **1:46**
